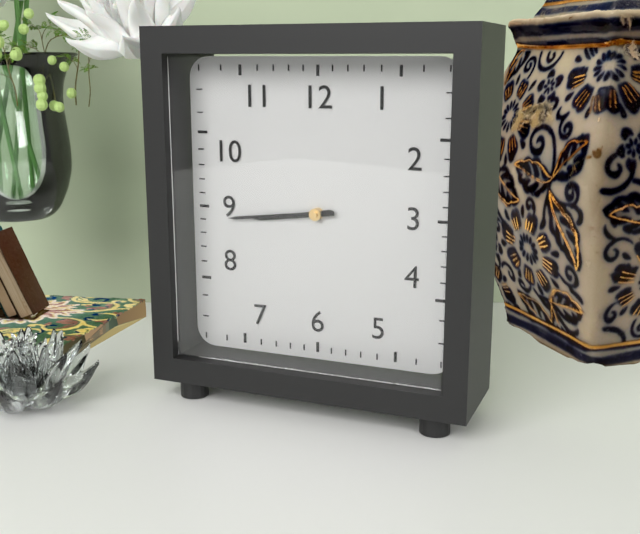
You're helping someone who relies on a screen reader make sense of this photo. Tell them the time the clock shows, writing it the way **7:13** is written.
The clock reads **8:44**
